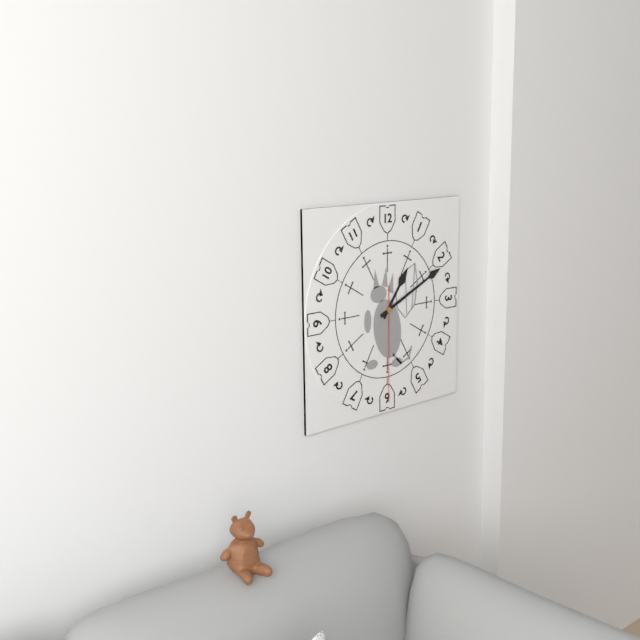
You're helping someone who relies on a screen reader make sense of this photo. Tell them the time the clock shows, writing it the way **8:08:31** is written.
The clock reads **1:11:30**
